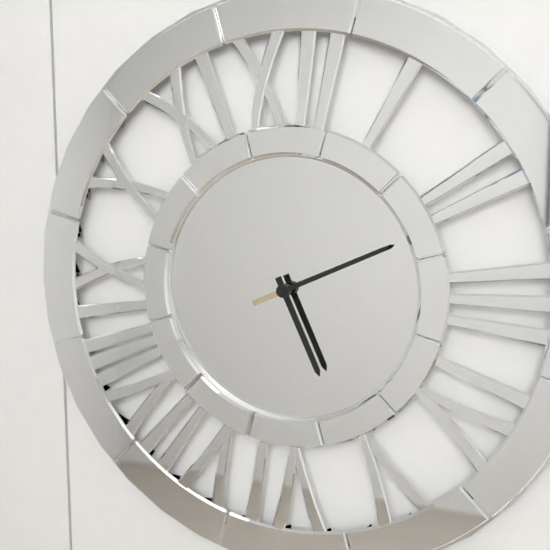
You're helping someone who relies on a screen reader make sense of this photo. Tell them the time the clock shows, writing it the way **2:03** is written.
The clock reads **5:11**
